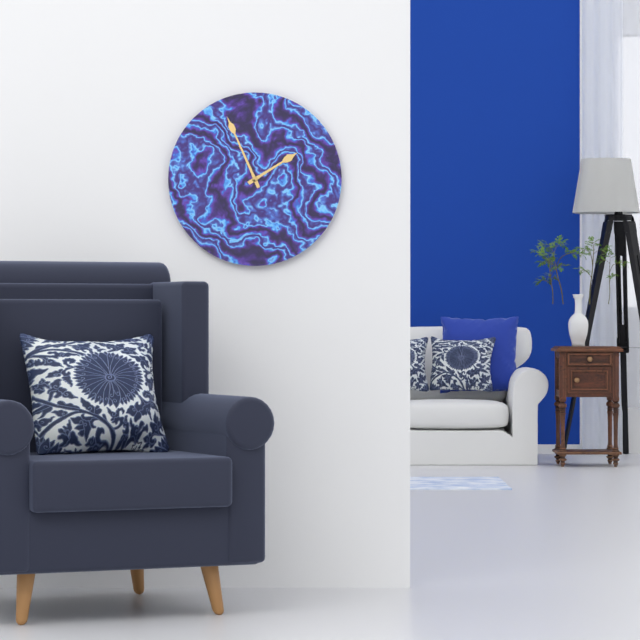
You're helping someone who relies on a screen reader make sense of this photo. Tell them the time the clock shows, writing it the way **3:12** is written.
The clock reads **1:56**
